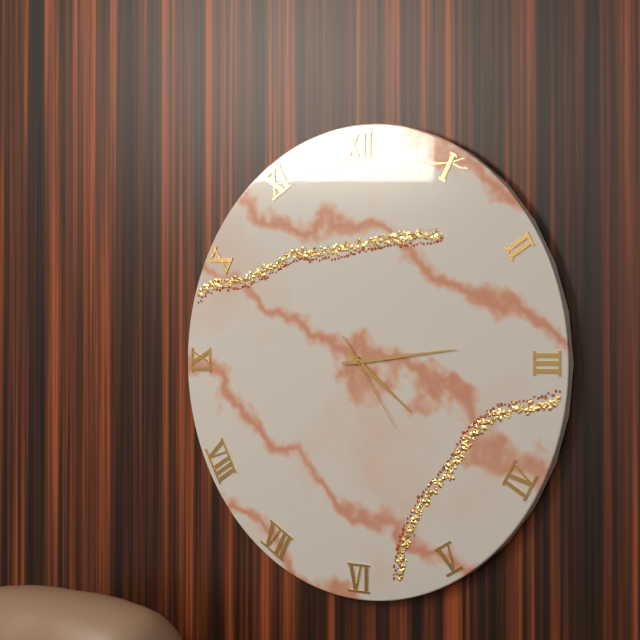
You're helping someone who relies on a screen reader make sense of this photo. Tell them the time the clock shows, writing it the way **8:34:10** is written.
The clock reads **4:14:24**
